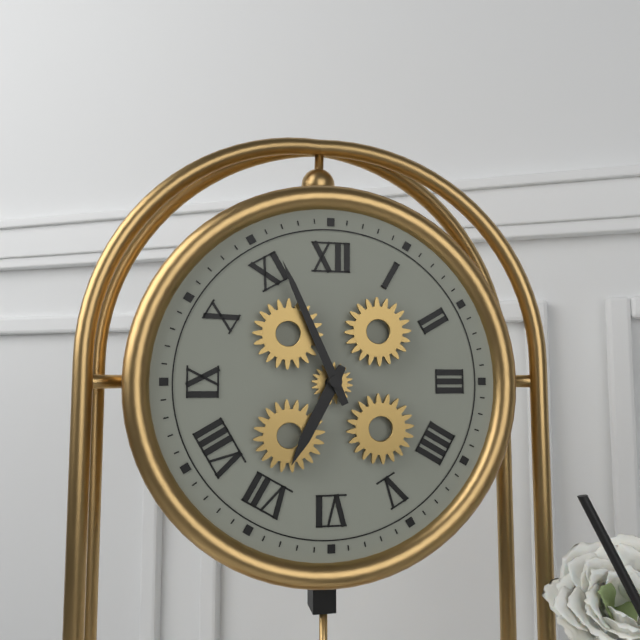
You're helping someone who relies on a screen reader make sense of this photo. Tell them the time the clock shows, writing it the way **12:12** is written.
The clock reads **6:56**
